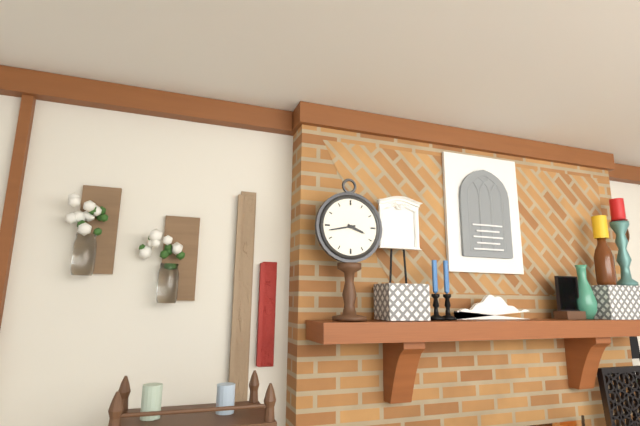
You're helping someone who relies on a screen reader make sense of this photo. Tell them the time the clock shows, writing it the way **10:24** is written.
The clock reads **3:43**
